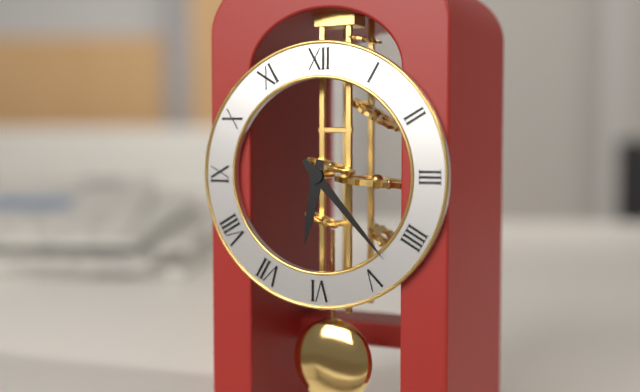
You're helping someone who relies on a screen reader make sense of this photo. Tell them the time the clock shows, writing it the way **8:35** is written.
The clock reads **6:23**
